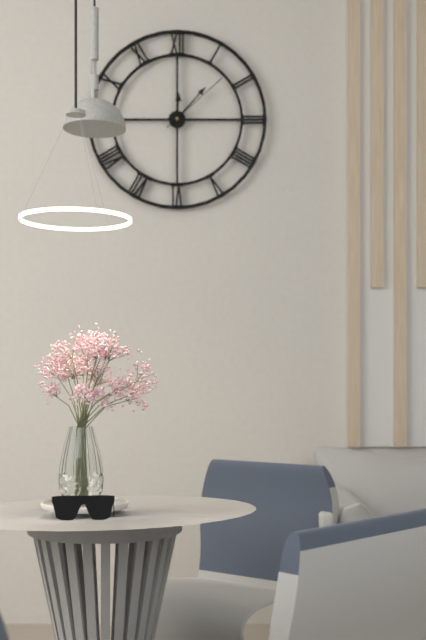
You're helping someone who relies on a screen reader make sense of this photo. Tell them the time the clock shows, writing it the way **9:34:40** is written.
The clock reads **12:07:08**
